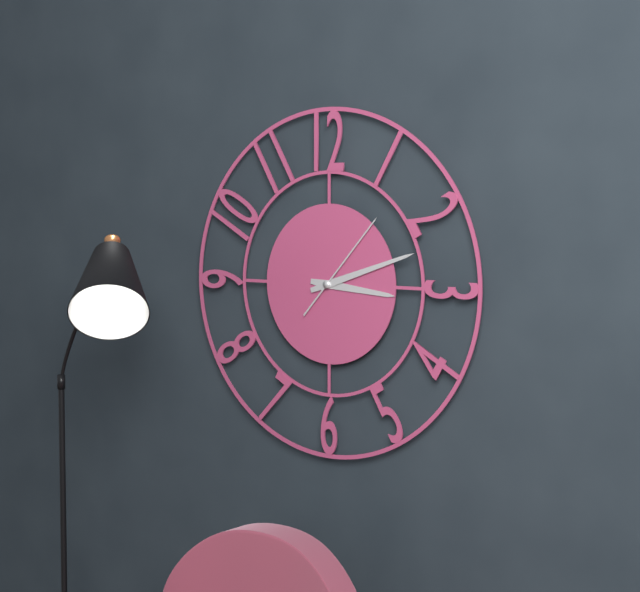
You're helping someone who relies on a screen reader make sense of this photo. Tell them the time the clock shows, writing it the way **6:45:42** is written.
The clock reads **3:12:07**
